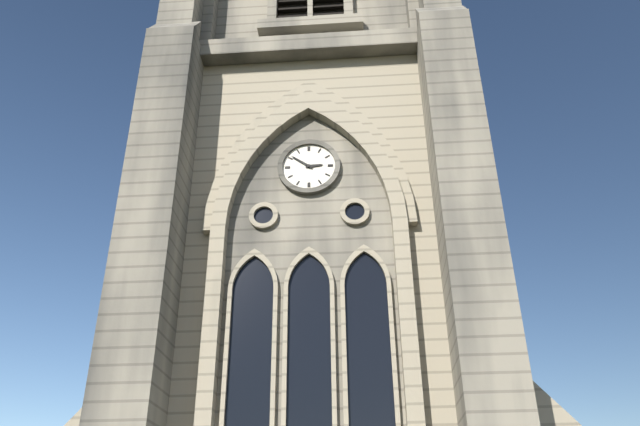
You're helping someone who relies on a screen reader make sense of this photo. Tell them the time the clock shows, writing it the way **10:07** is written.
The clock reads **2:51**
